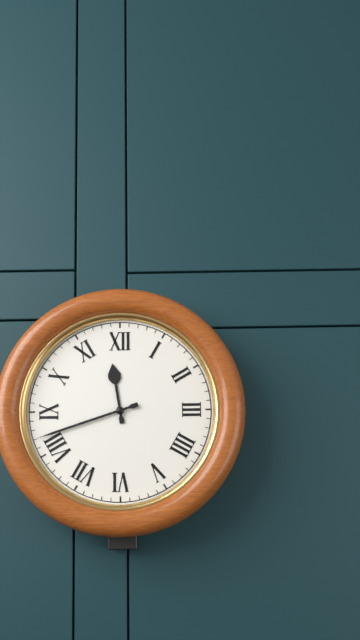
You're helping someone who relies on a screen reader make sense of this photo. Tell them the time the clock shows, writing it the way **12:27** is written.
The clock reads **11:42**
